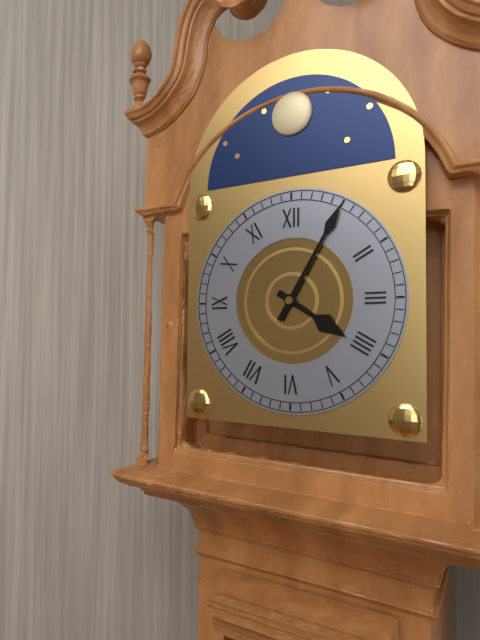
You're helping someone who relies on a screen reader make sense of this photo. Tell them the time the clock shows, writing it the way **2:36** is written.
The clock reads **4:05**
